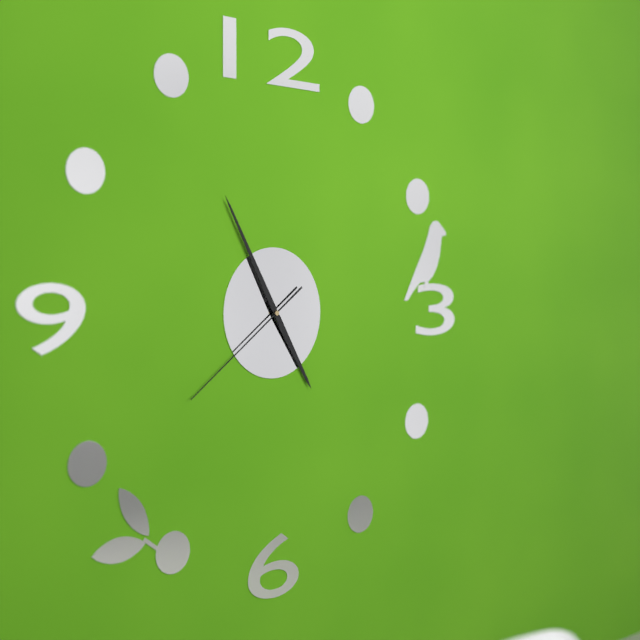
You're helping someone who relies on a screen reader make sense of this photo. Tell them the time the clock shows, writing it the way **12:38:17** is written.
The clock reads **4:55:39**
